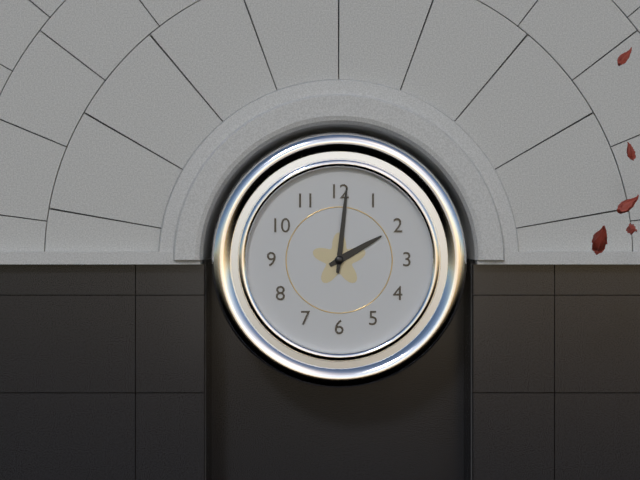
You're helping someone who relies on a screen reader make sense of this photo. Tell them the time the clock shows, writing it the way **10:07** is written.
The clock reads **2:01**
